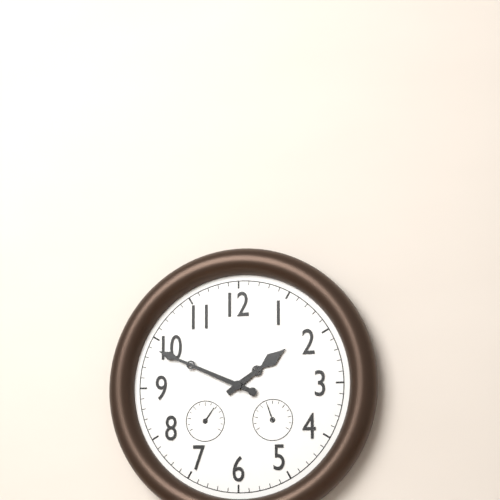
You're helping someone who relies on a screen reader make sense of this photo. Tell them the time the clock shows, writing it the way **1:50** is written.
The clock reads **1:49**
